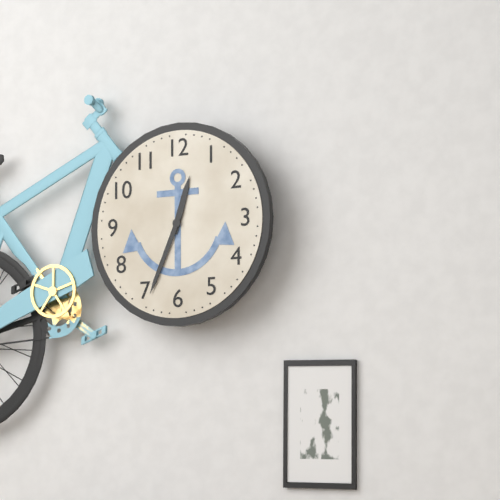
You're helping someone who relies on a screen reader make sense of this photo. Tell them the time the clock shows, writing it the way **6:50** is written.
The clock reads **12:34**
